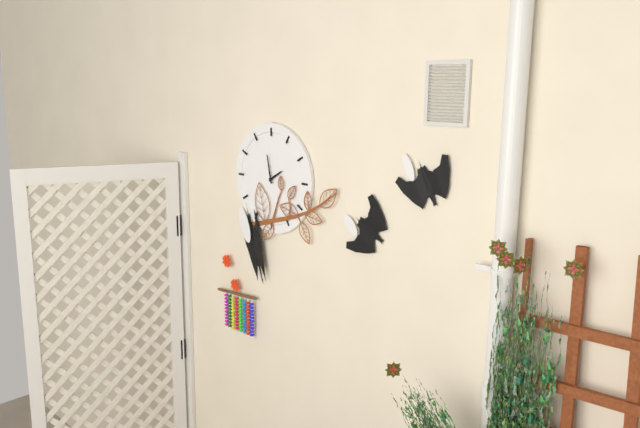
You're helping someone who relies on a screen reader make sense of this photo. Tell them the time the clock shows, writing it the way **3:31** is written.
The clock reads **1:58**
